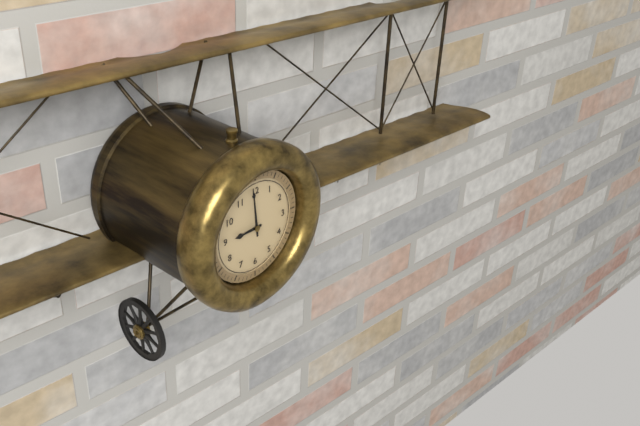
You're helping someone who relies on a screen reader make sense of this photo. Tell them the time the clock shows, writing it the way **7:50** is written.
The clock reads **8:59**
